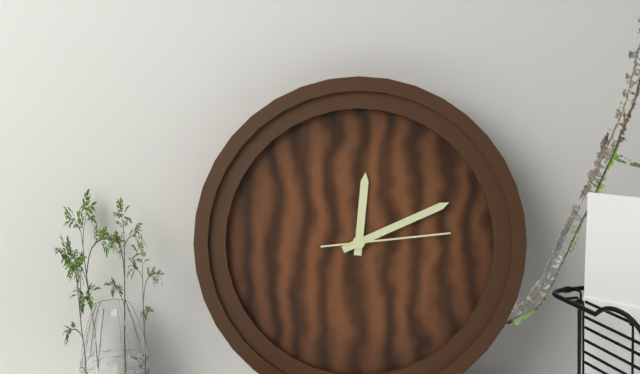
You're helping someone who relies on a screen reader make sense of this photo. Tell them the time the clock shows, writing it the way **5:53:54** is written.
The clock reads **12:11:14**
